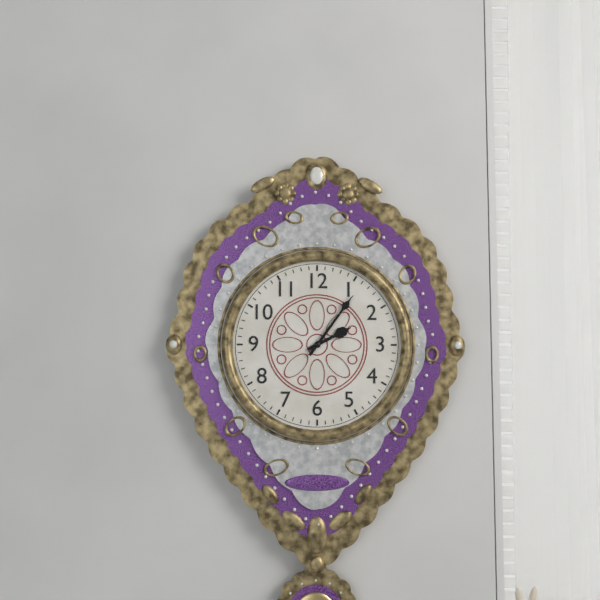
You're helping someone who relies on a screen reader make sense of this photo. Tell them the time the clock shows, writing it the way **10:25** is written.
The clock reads **2:06**
